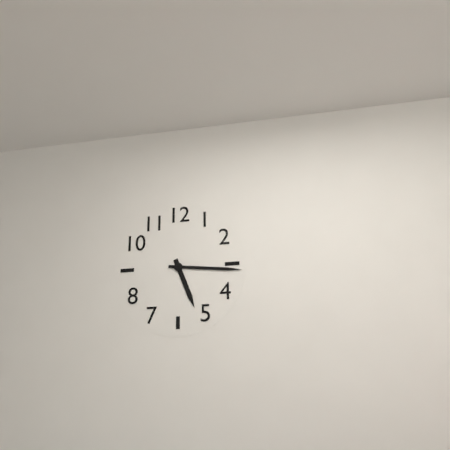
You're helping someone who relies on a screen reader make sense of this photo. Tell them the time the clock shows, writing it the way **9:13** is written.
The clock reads **5:16**
